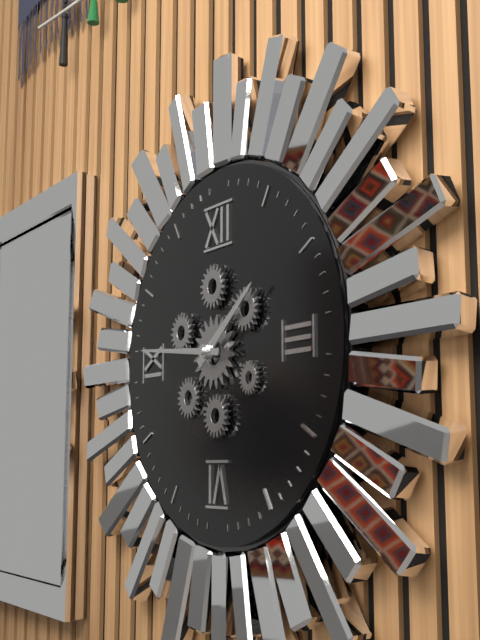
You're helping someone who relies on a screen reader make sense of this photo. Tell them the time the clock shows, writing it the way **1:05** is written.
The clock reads **1:46**
